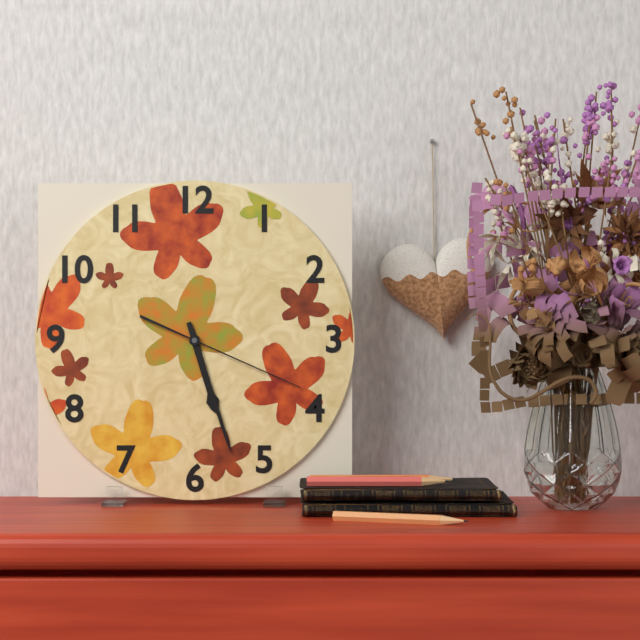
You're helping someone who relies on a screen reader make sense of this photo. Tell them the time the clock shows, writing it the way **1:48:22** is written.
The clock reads **5:27:19**
